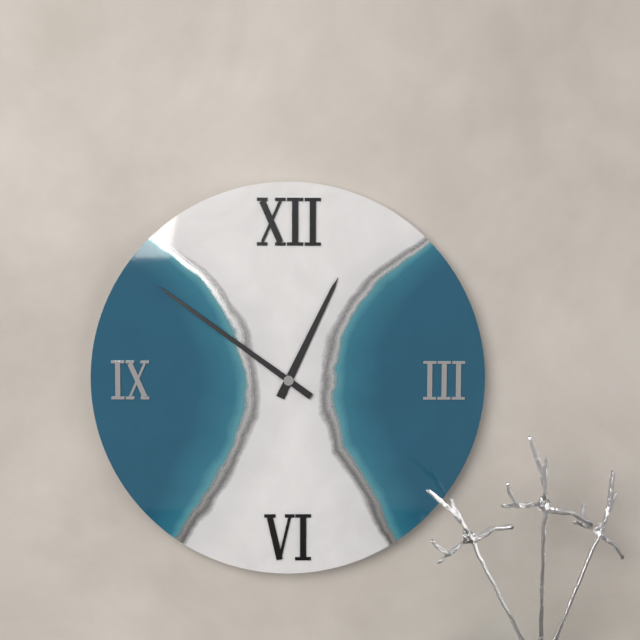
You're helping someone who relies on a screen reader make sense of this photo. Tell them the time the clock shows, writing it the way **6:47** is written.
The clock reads **12:51**
